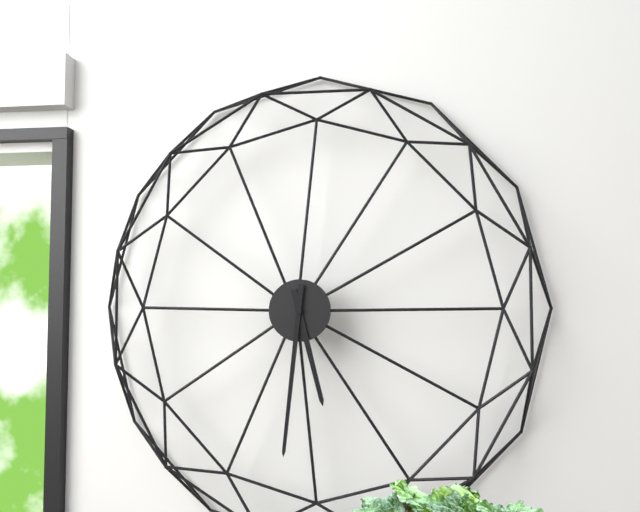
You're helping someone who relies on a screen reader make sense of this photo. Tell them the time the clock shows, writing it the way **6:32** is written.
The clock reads **5:31**
